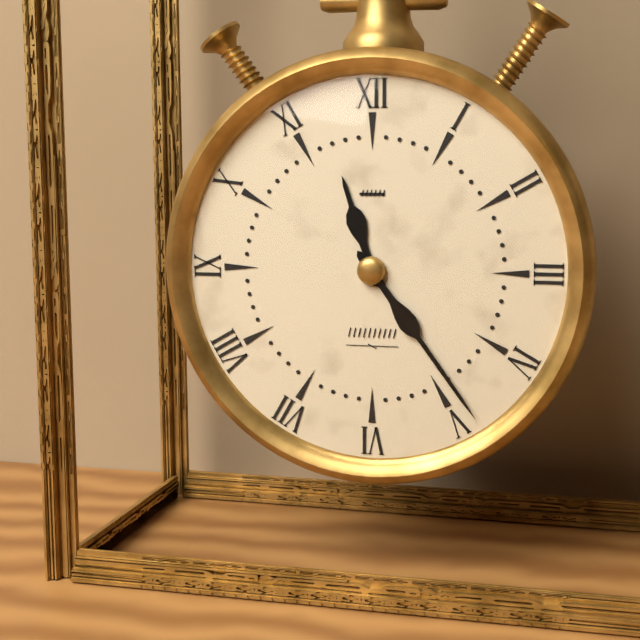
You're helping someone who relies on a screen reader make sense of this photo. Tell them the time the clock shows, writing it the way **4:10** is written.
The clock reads **11:24**
